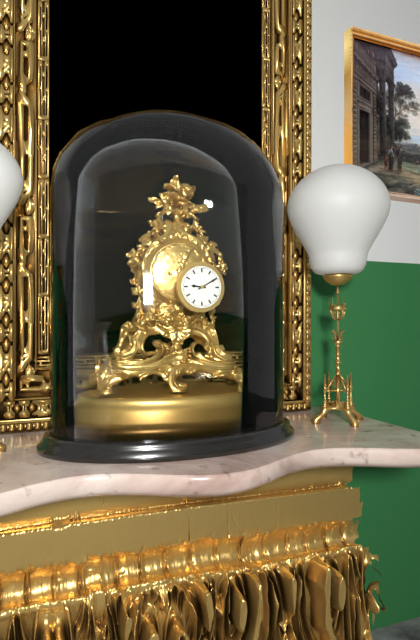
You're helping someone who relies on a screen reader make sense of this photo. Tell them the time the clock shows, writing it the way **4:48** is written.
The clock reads **9:10**
